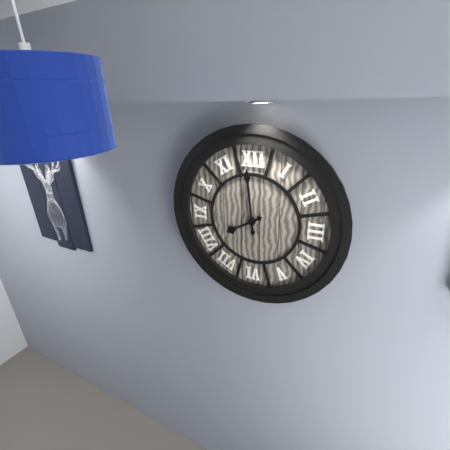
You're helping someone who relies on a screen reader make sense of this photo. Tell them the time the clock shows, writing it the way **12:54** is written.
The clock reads **7:59**
